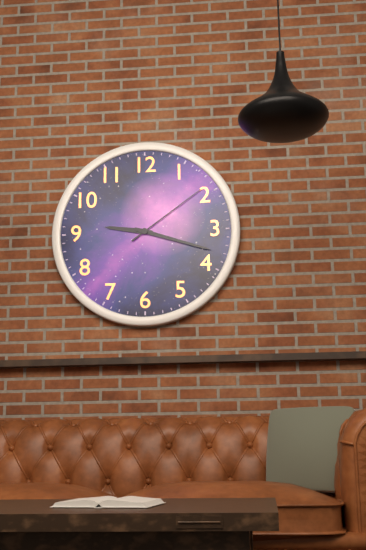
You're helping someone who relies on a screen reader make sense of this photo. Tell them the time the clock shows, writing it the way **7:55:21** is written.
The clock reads **9:18:09**
